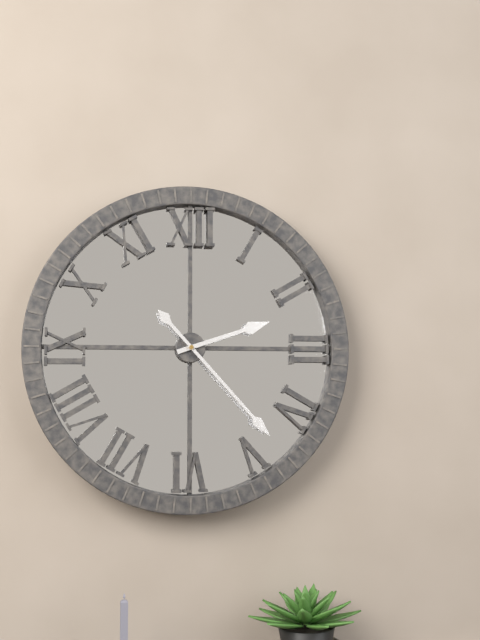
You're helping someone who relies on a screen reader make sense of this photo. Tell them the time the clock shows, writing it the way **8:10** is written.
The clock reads **2:23**
